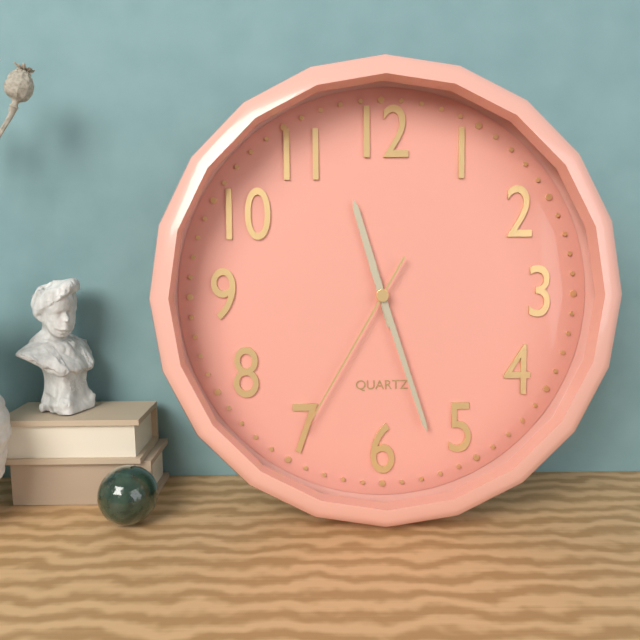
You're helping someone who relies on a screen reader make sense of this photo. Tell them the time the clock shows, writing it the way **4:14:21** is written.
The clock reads **11:27:35**
